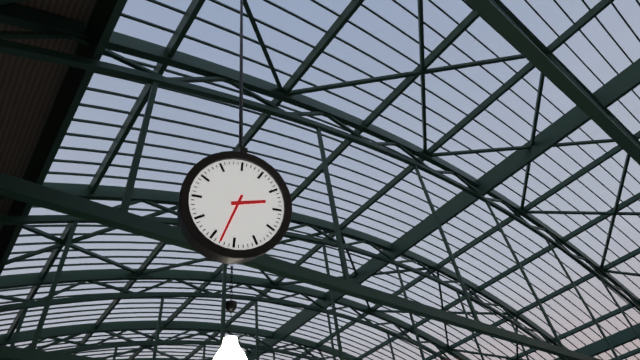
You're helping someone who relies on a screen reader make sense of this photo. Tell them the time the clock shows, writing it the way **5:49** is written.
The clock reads **2:33**
